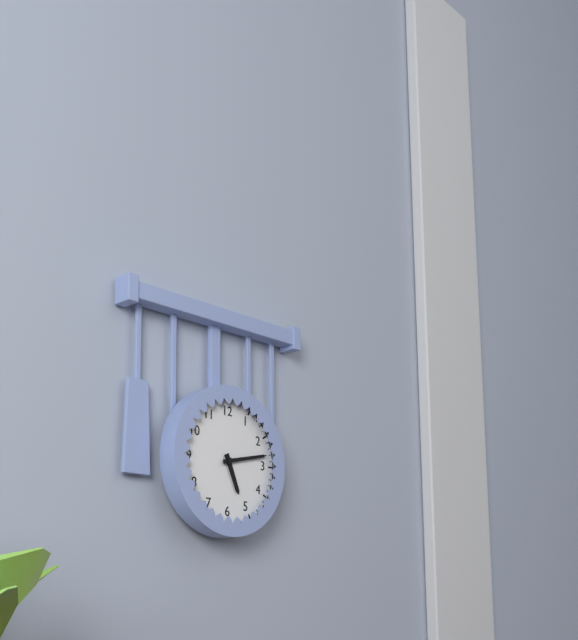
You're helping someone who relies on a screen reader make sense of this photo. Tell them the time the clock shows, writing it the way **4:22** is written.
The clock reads **5:13**
